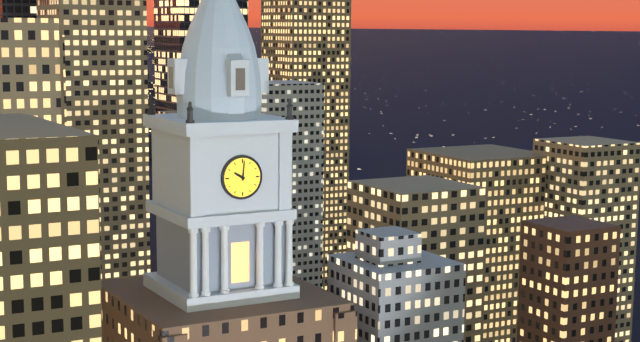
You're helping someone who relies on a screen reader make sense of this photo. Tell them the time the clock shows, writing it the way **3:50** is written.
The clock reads **10:01**
